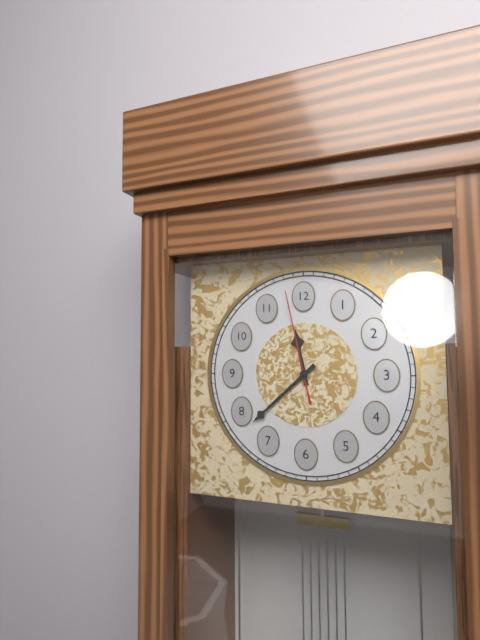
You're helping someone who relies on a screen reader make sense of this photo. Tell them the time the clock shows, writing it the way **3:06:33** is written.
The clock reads **11:38:58**
